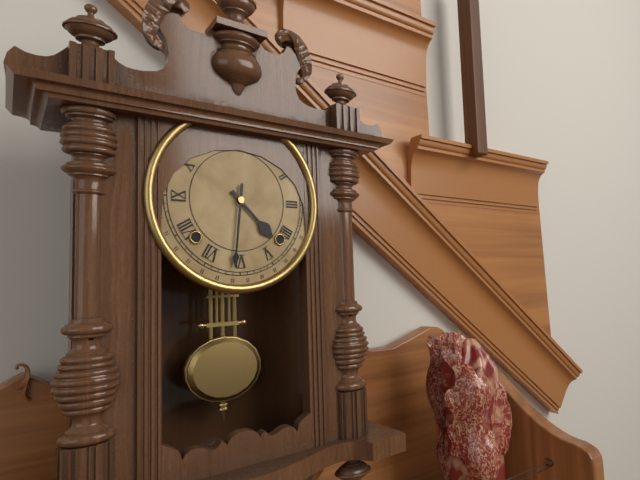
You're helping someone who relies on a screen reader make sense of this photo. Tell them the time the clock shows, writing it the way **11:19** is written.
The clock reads **4:31**
